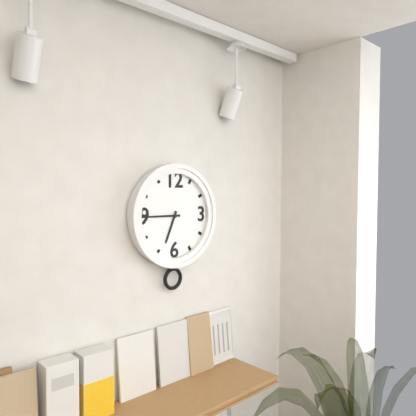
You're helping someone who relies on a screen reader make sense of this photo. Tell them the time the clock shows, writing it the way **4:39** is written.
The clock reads **6:45**
